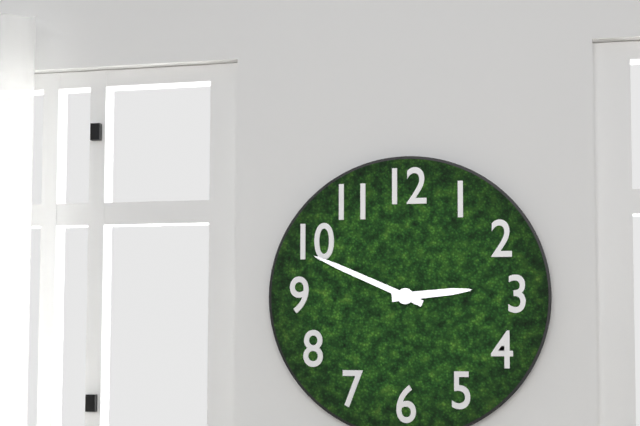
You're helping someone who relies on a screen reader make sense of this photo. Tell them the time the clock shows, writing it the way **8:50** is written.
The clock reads **2:49**
